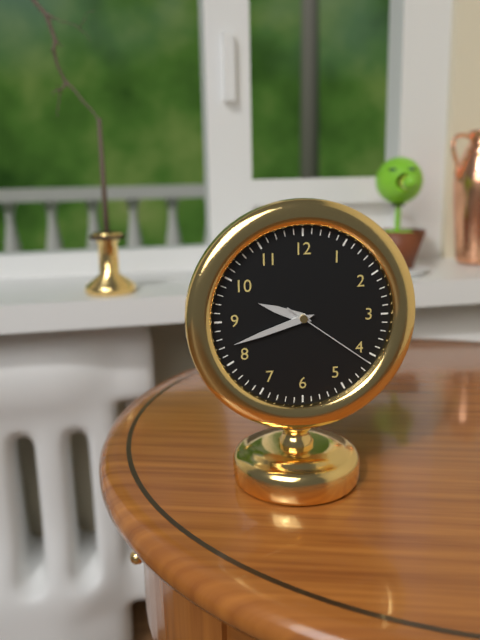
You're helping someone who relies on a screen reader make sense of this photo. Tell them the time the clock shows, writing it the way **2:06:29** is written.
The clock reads **9:42:21**
